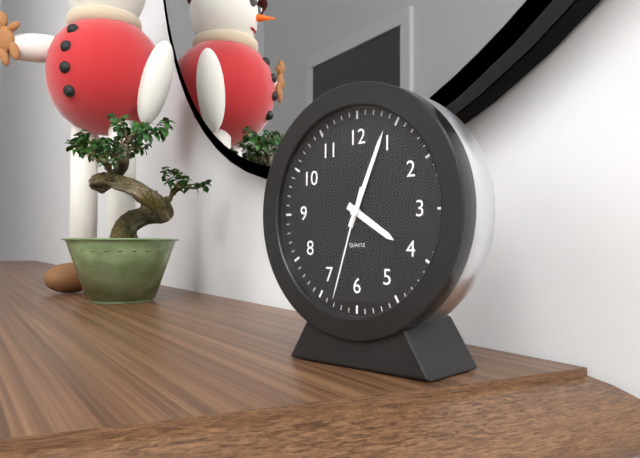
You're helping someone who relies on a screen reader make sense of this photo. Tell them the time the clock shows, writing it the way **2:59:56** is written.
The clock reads **4:04:33**
